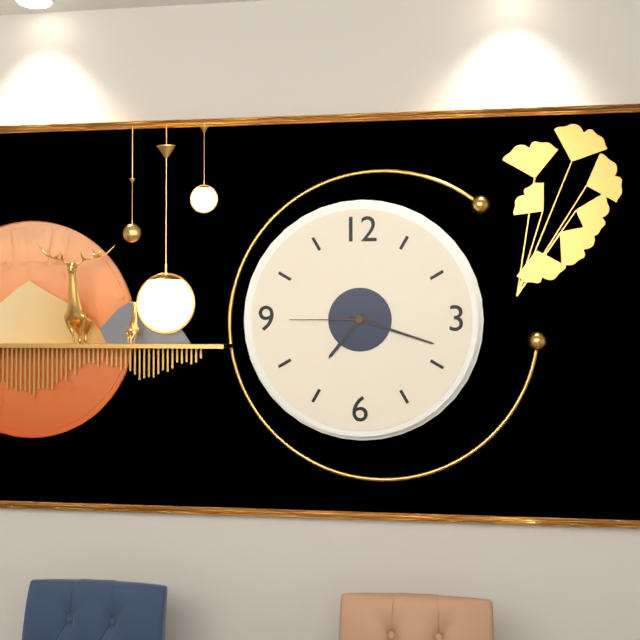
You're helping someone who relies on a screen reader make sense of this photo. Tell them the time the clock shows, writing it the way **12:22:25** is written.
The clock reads **7:18:45**
